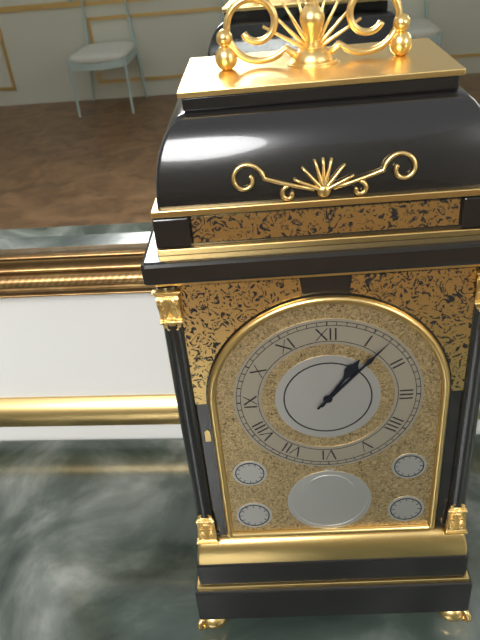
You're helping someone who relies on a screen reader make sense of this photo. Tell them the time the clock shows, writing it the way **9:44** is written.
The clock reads **1:07**
